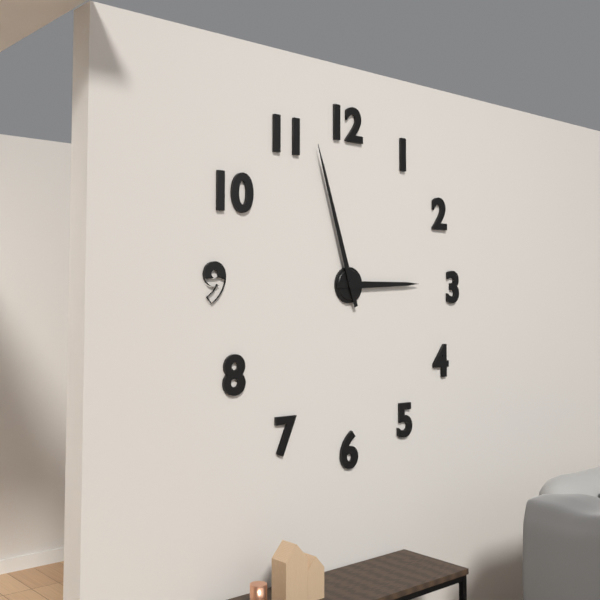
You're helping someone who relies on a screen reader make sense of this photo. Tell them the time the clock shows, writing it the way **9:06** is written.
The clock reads **2:57**
